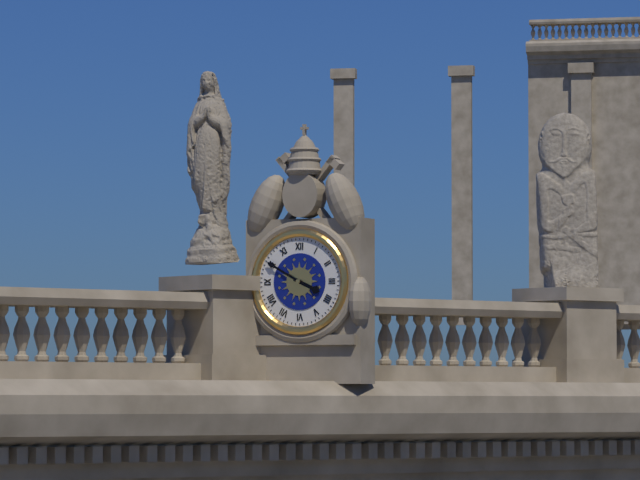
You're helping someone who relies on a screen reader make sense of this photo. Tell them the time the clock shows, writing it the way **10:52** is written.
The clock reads **3:50**
